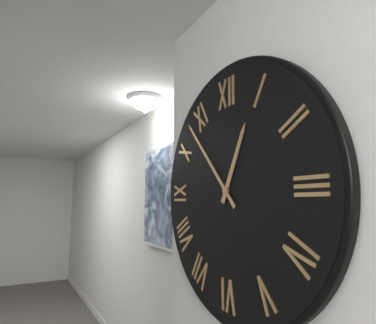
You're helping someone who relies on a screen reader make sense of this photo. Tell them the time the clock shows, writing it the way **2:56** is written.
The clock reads **12:53**
